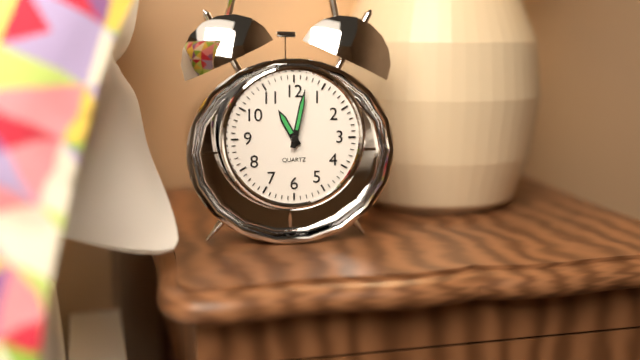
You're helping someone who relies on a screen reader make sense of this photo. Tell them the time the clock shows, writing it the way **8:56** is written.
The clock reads **11:02**
